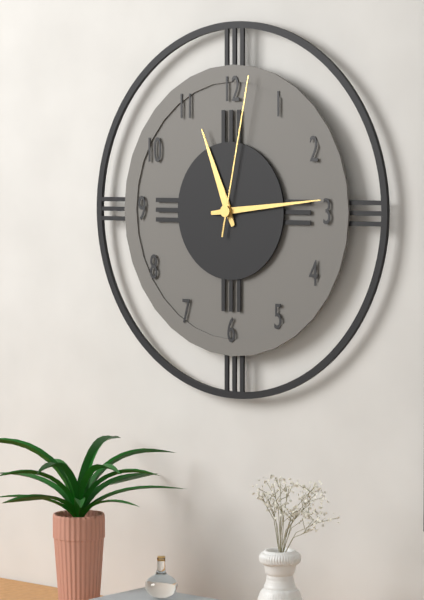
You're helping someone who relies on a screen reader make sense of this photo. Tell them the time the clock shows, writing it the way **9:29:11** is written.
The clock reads **11:14:02**
